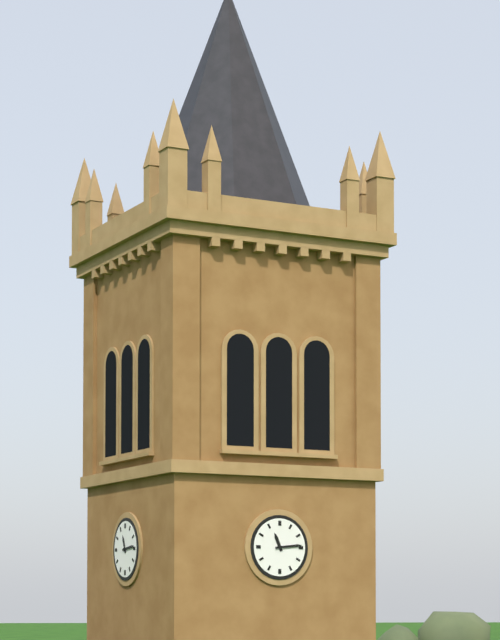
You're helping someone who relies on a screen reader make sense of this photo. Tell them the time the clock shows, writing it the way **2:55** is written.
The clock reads **11:14**
